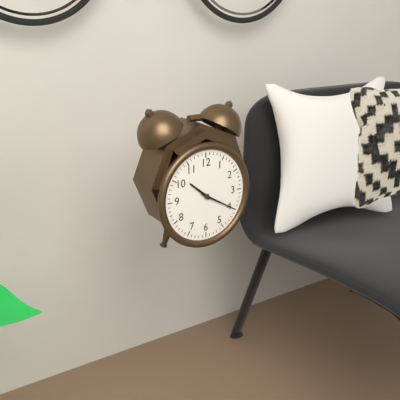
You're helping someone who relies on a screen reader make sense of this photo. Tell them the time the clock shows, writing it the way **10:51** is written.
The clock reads **10:20**
